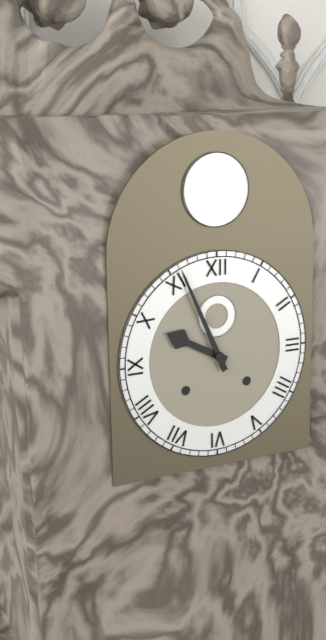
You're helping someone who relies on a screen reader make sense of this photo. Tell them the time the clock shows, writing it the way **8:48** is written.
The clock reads **9:56**
